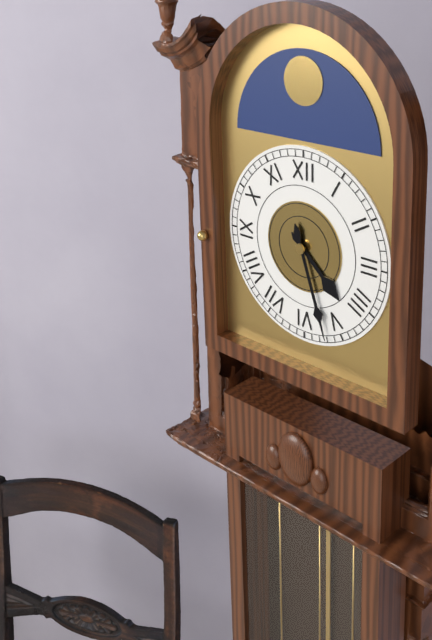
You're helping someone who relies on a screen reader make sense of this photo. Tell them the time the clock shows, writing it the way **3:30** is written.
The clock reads **4:27**
